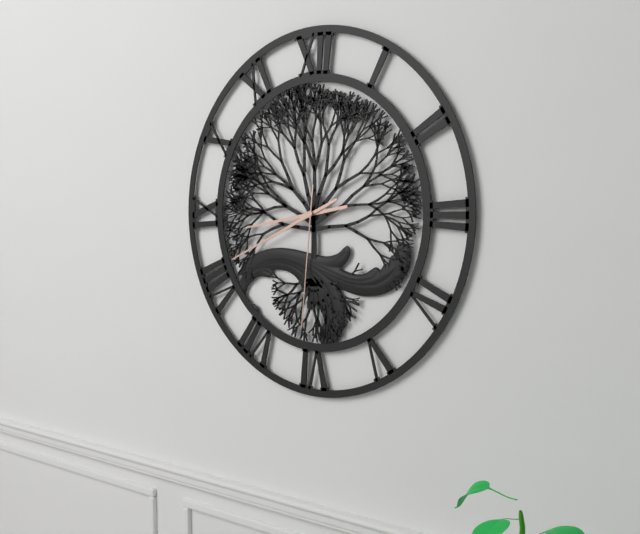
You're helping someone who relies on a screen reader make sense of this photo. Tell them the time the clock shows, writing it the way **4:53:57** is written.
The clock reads **8:41:31**
